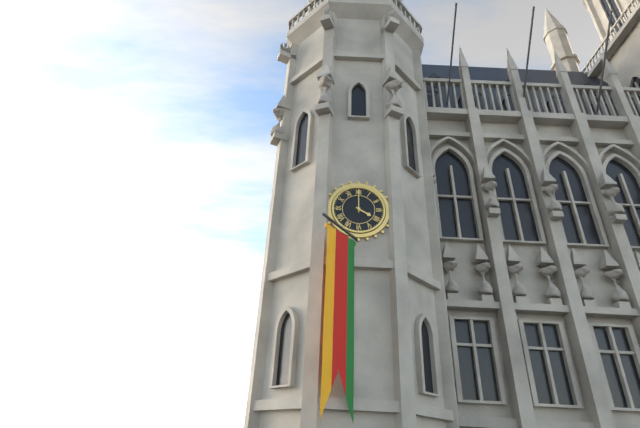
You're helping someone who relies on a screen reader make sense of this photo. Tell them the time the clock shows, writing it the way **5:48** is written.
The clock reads **4:00**
